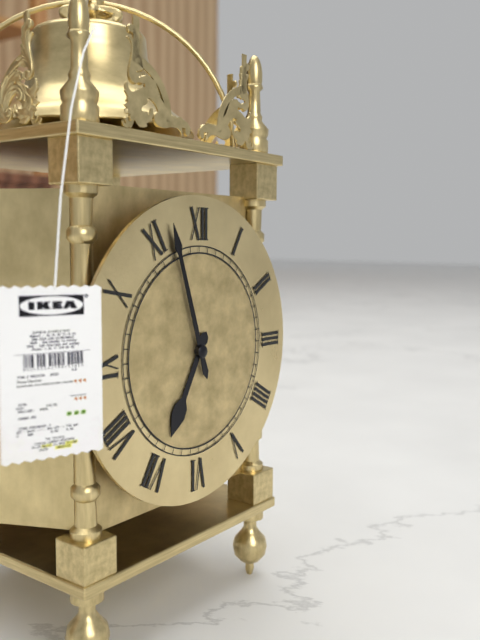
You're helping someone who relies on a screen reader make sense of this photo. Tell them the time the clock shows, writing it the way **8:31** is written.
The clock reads **6:57**
